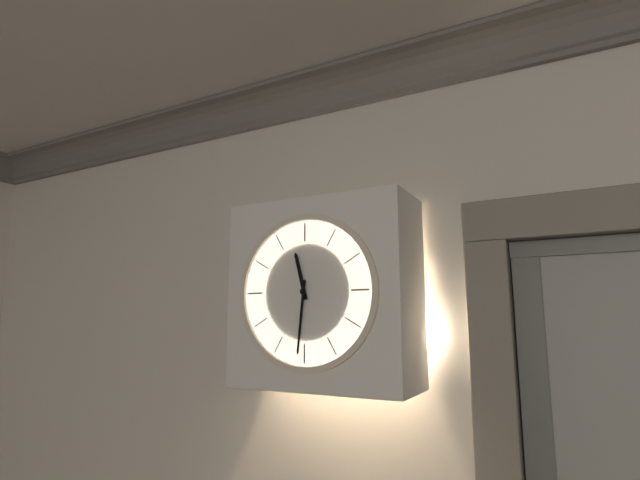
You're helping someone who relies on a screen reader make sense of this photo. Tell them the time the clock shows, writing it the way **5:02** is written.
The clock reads **11:31**
